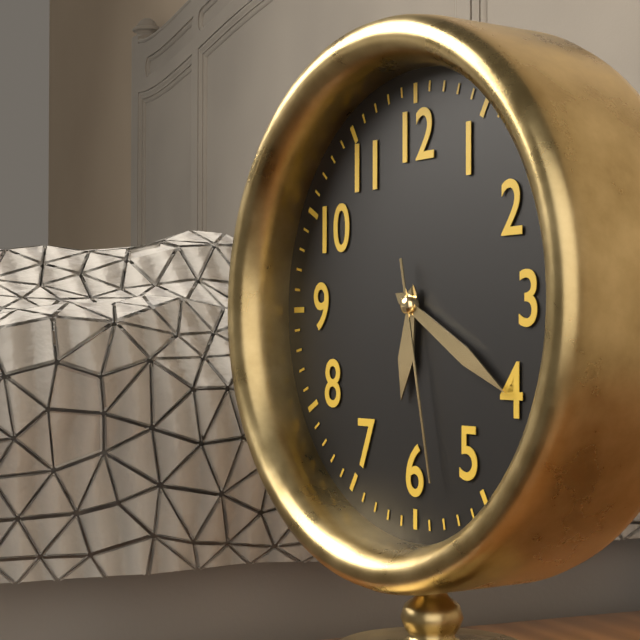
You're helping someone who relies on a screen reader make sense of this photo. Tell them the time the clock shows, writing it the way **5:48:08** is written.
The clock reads **6:20:28**
